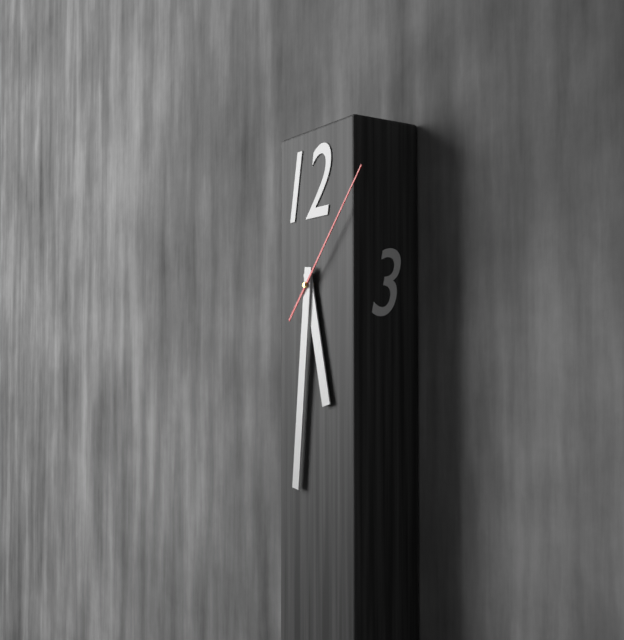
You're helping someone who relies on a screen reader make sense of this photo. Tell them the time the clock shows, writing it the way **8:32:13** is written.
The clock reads **5:31:07**
